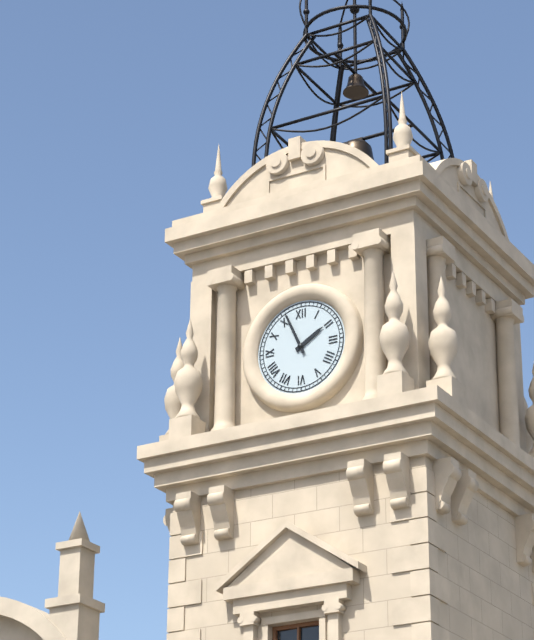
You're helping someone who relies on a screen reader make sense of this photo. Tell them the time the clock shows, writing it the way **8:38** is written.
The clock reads **1:56**
